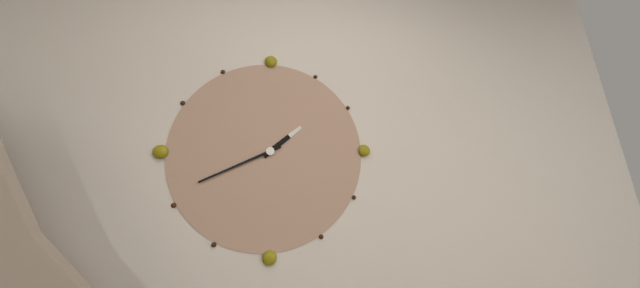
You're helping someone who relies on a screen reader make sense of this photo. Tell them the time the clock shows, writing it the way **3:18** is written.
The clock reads **1:41**
